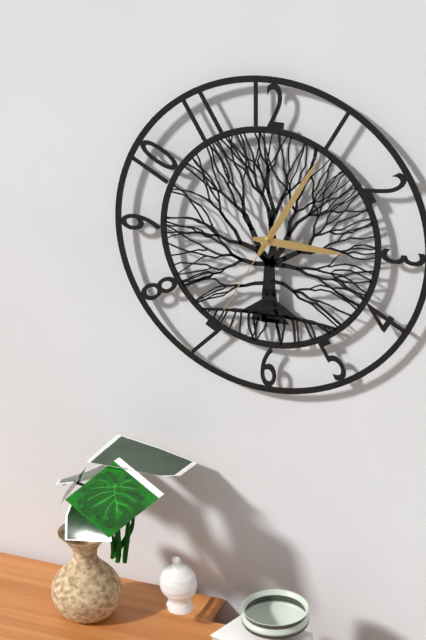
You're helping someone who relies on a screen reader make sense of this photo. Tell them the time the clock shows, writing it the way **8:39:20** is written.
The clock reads **3:05:35**
